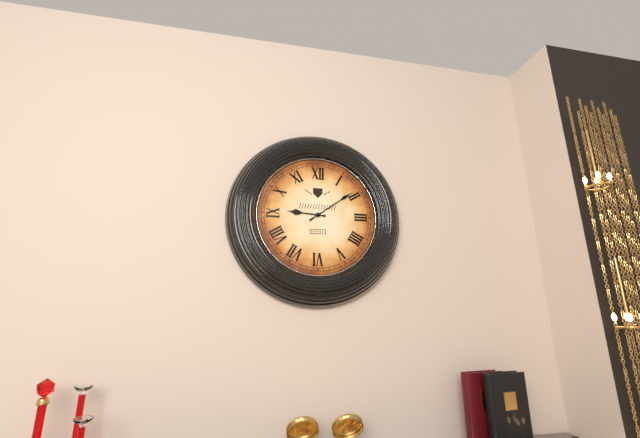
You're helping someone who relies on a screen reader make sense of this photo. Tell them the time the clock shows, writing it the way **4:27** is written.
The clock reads **9:09**
